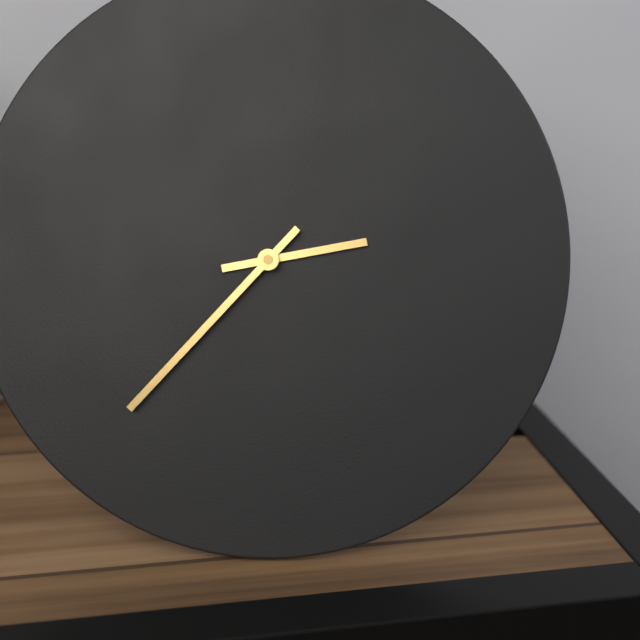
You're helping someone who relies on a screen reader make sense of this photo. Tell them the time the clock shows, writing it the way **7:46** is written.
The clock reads **2:37**
